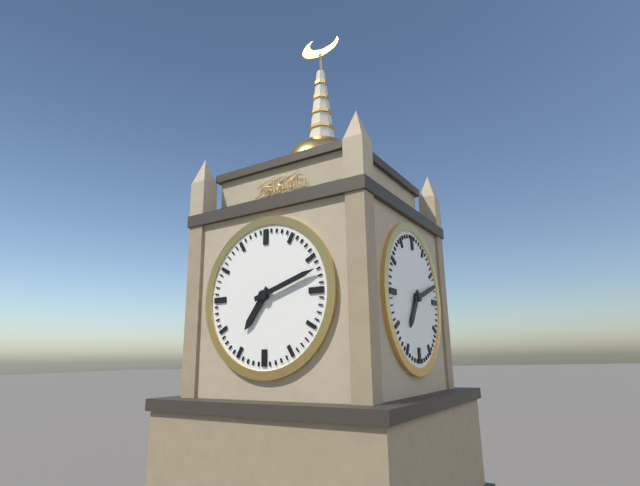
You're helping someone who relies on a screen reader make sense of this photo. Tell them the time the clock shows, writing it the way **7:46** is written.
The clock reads **7:12**
